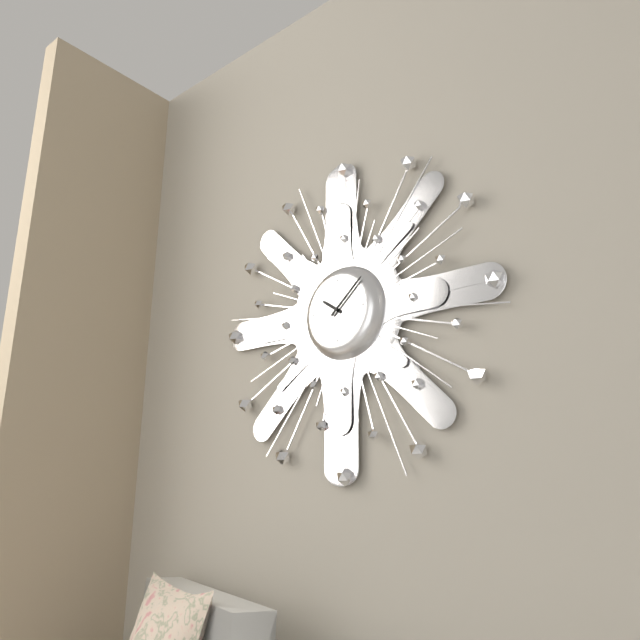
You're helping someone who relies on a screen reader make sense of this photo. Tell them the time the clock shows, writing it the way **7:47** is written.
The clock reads **10:08**
